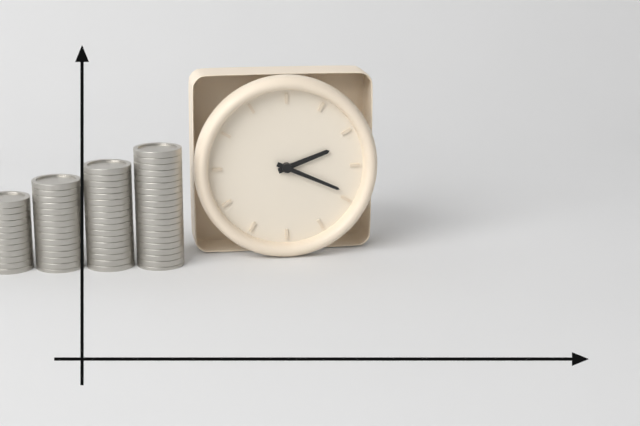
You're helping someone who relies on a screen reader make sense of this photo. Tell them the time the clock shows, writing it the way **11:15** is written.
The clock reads **2:19**
